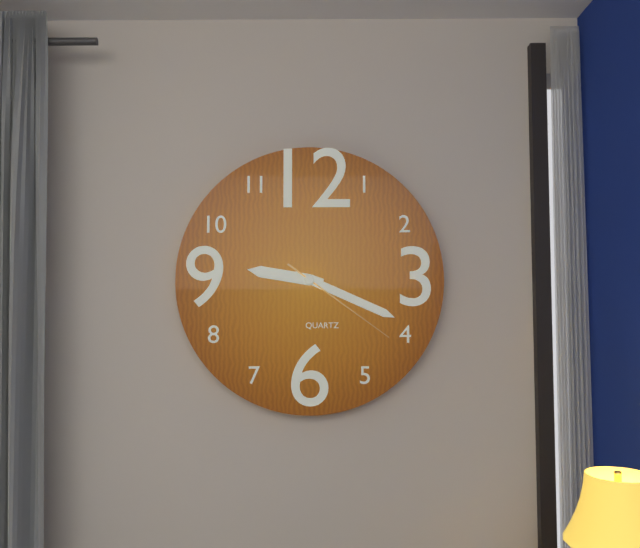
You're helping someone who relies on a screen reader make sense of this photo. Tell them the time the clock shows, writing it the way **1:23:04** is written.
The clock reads **9:19:21**
